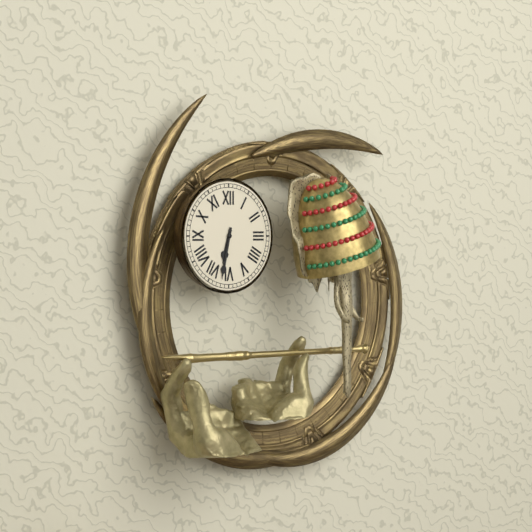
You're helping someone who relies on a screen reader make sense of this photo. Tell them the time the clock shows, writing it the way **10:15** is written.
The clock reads **6:32**
